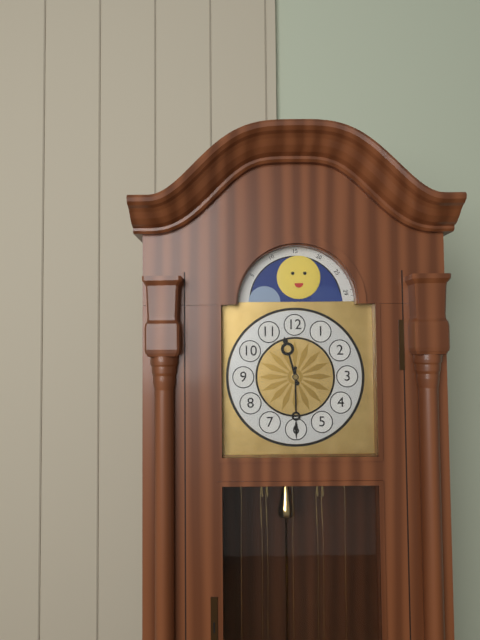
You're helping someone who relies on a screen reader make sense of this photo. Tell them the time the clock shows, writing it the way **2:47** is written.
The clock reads **11:30**
